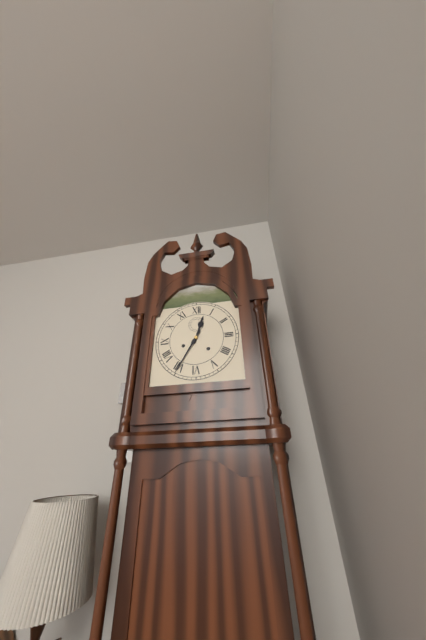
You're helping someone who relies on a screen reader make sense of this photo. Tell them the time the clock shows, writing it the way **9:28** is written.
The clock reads **12:35**
